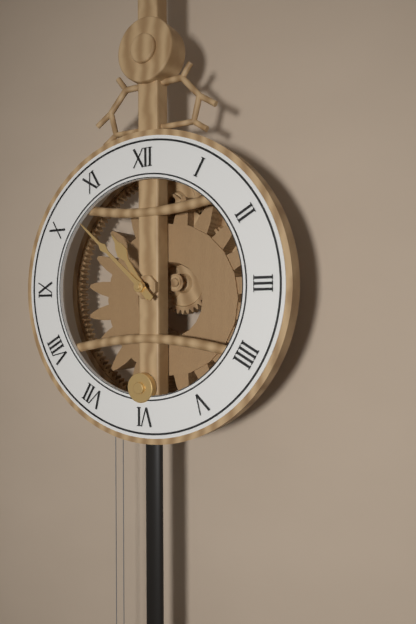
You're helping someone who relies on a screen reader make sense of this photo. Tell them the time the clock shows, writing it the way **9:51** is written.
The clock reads **10:52**
